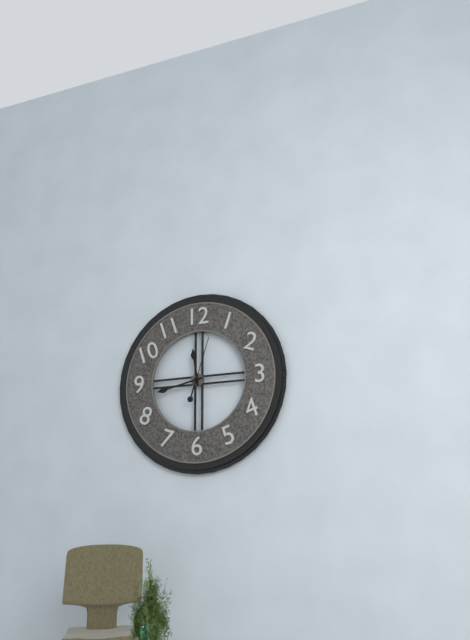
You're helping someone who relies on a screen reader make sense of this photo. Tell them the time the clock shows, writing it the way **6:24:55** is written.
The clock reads **11:43:03**
